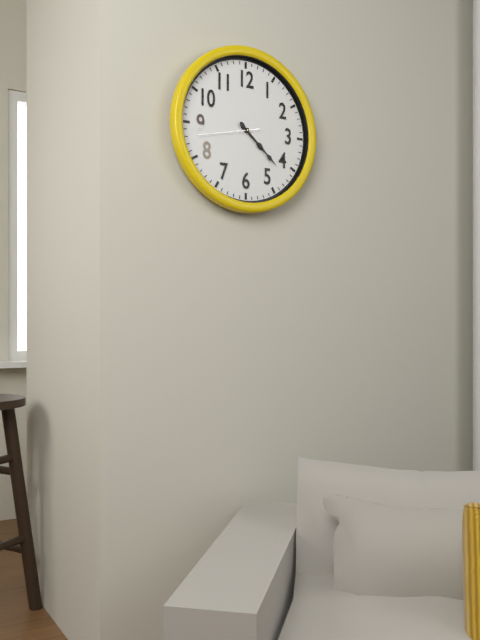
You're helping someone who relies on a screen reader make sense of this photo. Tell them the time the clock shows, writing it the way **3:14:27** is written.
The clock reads **4:22:43**
